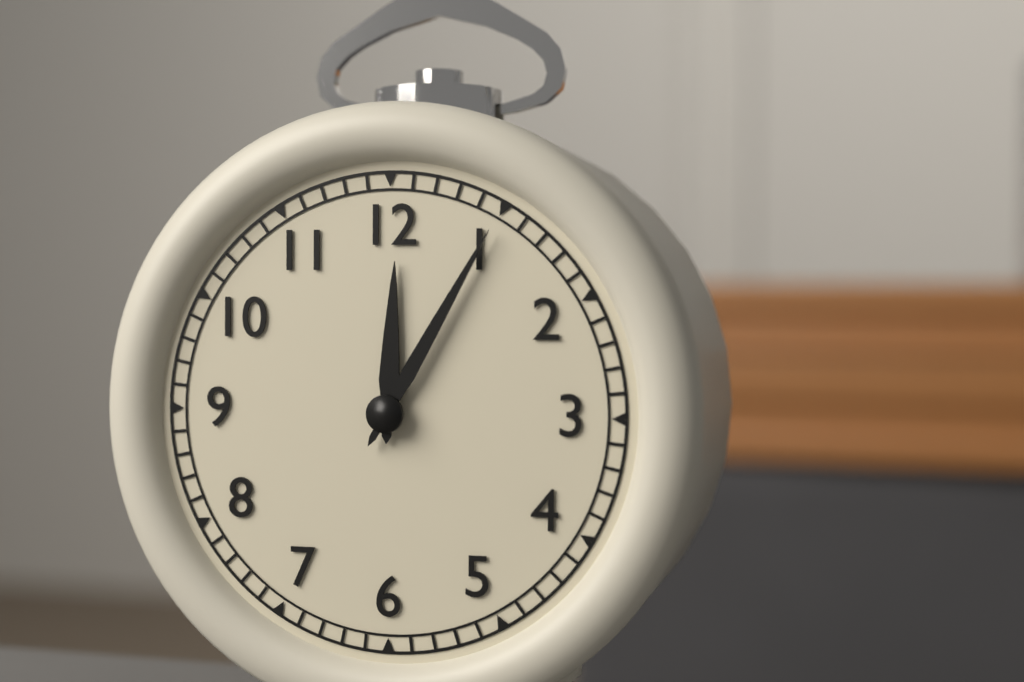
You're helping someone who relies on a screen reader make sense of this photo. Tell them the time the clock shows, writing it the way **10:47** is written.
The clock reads **12:05**
